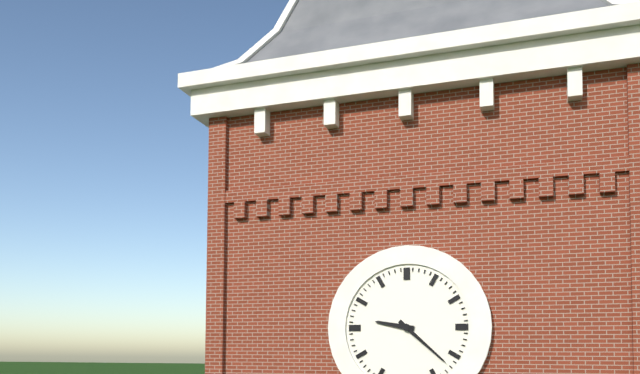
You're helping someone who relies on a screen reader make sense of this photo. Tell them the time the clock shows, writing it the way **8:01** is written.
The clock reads **9:22**
